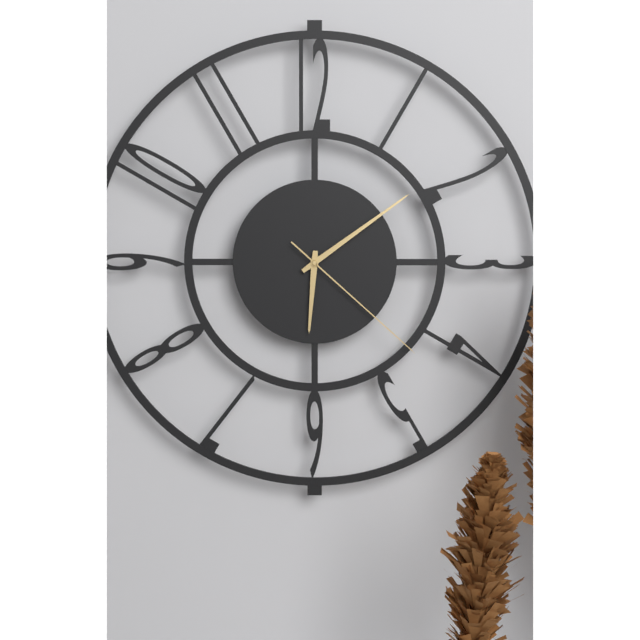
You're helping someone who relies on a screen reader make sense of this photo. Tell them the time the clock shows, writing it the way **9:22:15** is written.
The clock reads **6:09:22**
